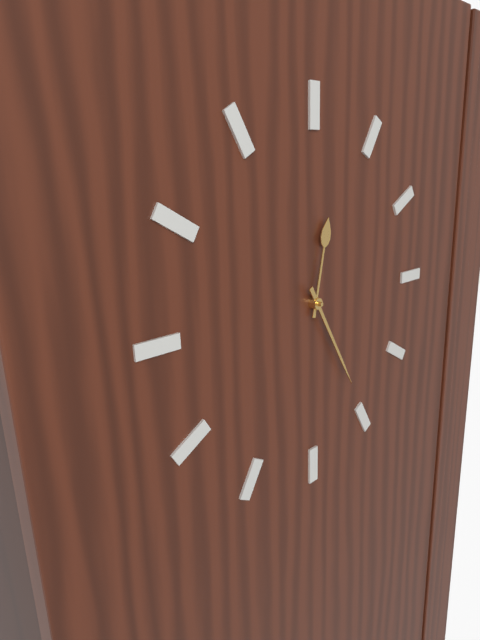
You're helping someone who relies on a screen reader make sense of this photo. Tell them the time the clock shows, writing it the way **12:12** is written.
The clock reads **12:25**
